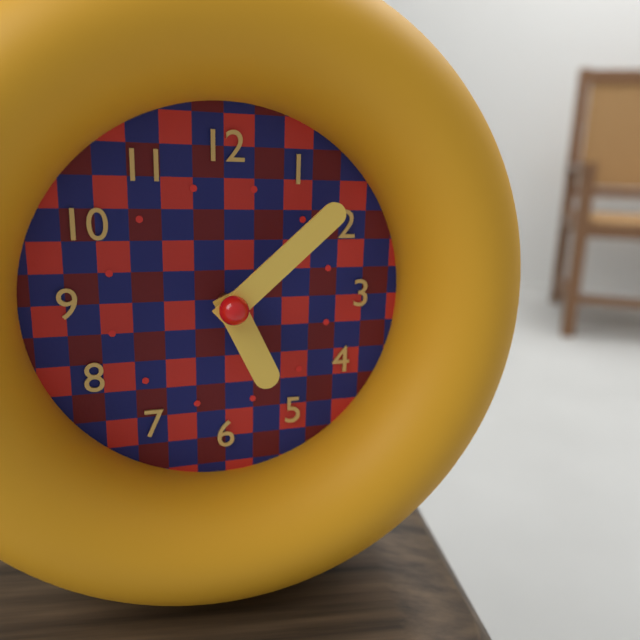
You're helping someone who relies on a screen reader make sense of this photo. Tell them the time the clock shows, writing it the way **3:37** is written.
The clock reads **5:08**
